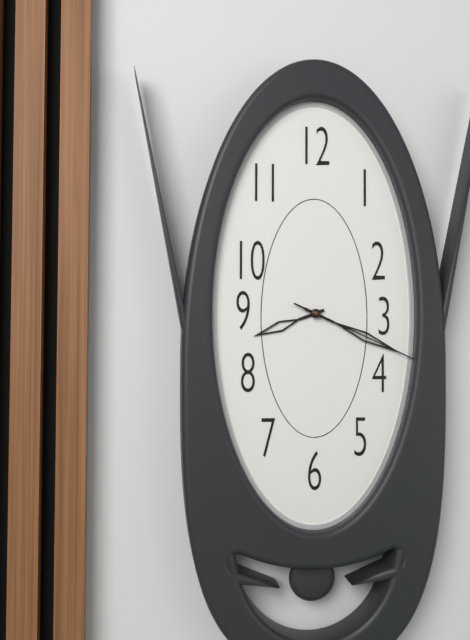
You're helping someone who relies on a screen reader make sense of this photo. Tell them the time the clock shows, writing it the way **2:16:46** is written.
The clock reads **8:19:19**
